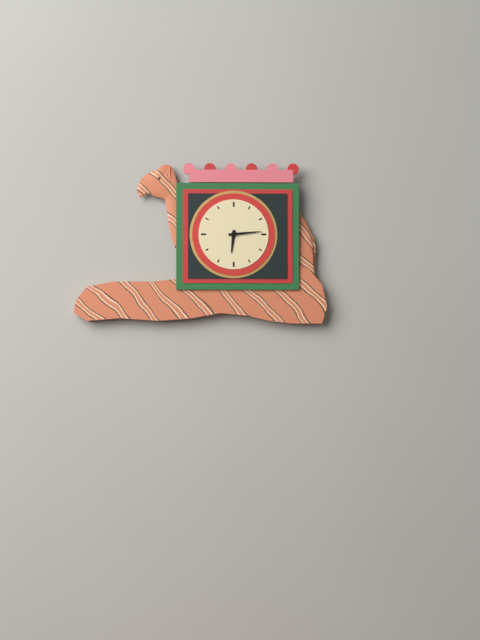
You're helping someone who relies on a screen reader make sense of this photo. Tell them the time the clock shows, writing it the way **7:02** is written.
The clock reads **6:14**
